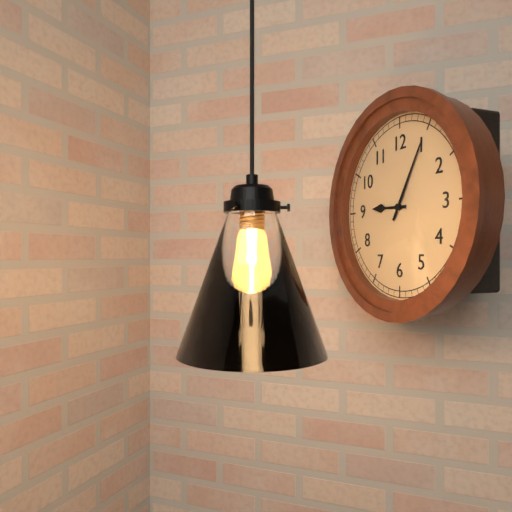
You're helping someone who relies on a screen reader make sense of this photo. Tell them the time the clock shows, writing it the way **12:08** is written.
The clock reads **9:05**
